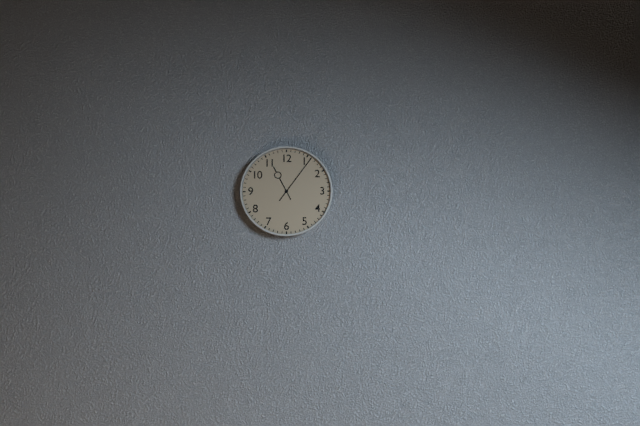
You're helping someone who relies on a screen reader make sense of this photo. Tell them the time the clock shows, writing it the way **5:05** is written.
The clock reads **11:06**
